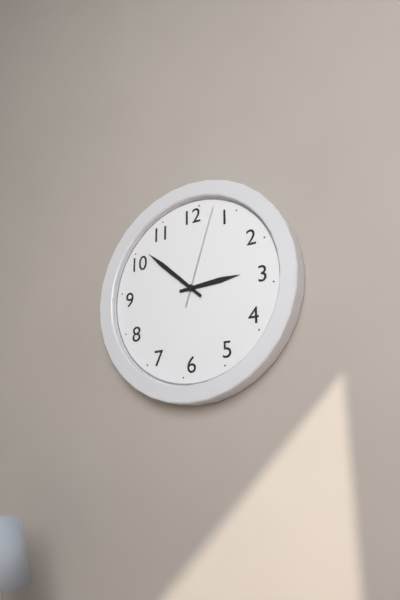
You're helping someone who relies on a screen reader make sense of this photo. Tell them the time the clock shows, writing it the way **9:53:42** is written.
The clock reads **2:52:03**
